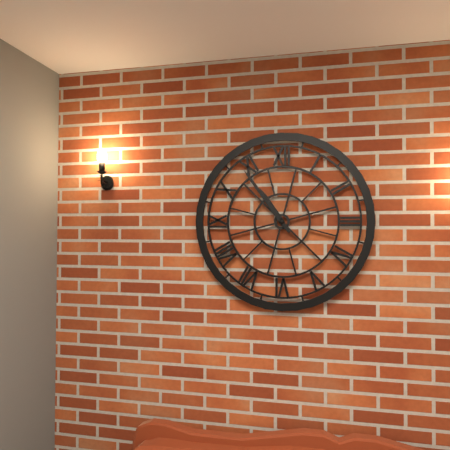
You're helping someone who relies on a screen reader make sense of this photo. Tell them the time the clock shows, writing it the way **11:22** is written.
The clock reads **10:54**
